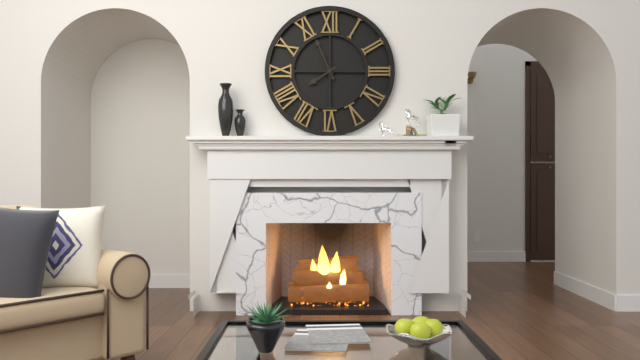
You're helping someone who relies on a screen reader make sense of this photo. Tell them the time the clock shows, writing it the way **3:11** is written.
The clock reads **7:56**
